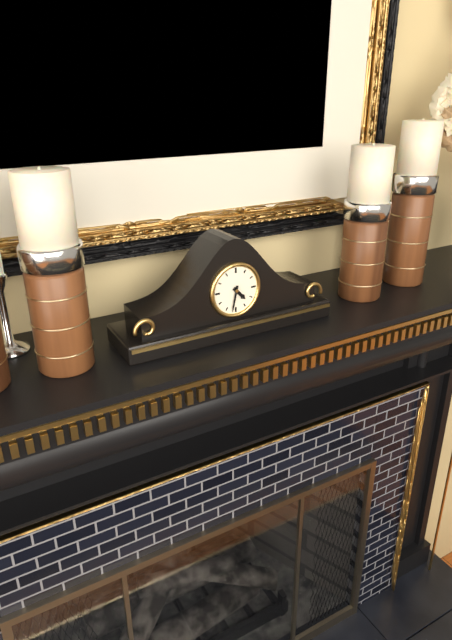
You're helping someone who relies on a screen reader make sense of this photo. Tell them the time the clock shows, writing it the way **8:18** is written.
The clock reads **4:32**
